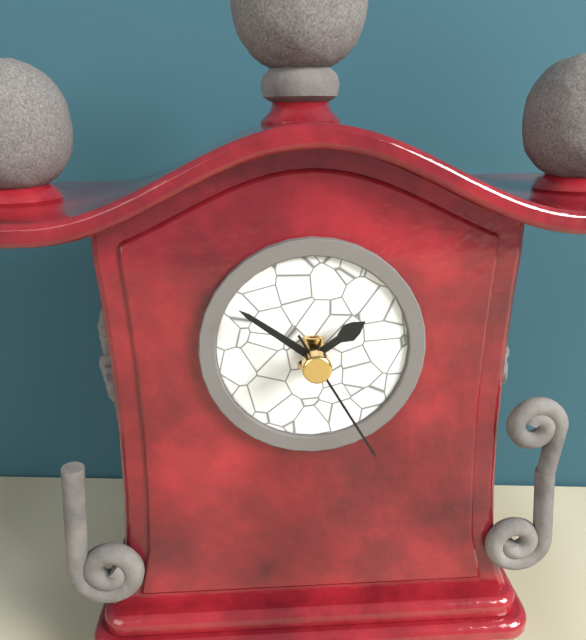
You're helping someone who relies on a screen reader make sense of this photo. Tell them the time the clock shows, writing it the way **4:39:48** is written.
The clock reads **1:51:25**
